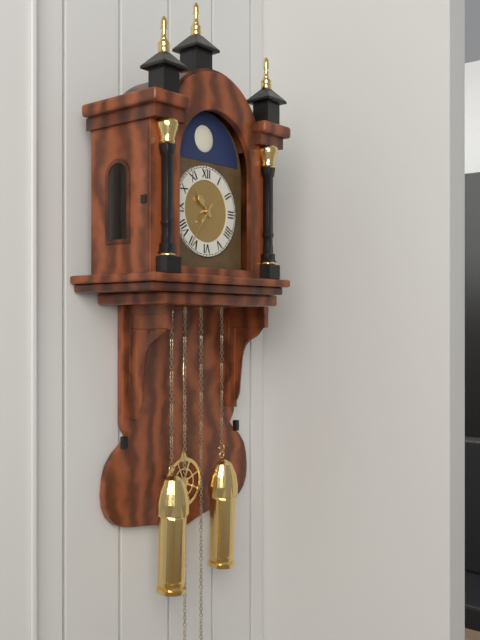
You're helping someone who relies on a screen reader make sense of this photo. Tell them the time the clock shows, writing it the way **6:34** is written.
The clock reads **10:36**
